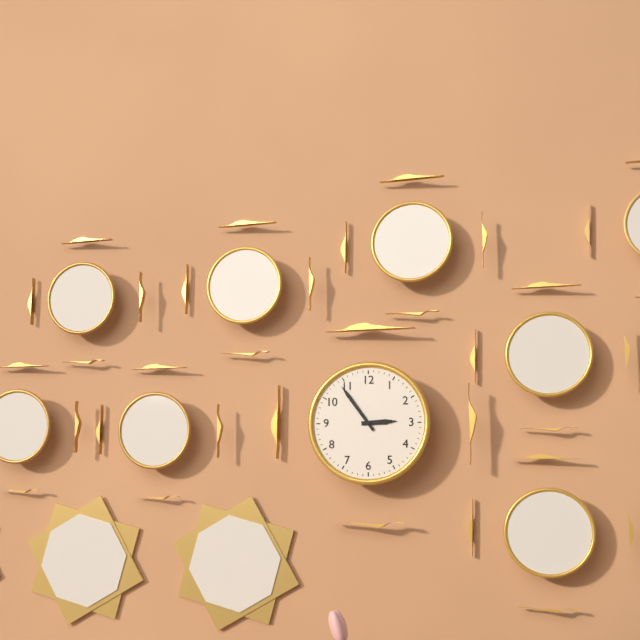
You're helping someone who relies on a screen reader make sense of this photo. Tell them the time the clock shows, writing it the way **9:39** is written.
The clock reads **2:54**
